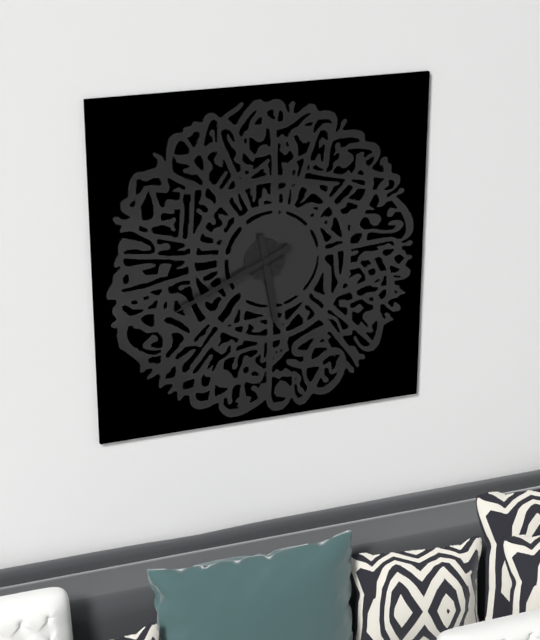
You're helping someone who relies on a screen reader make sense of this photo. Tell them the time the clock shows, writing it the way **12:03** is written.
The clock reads **5:41**
